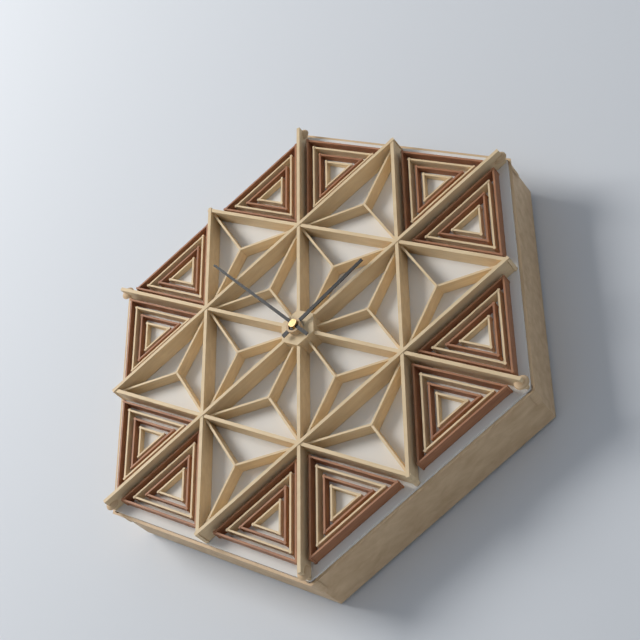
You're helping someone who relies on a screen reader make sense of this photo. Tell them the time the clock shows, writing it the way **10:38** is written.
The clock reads **1:53**
